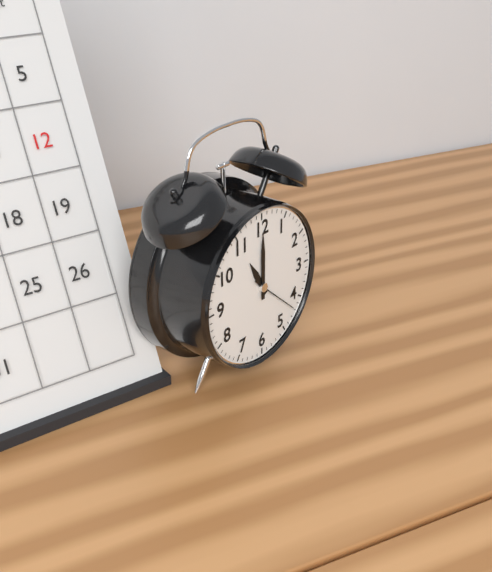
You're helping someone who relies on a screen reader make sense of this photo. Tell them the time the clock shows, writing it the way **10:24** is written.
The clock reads **11:00**
